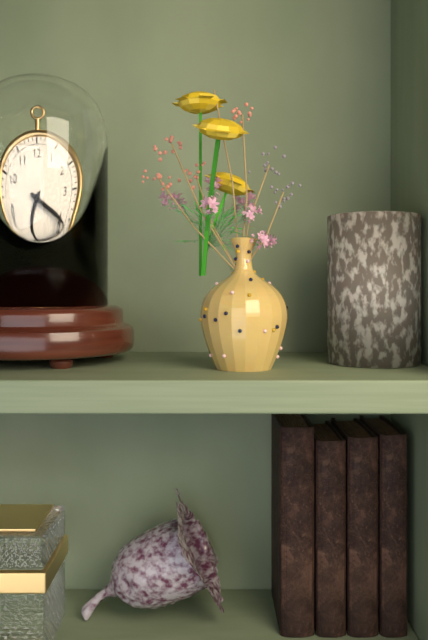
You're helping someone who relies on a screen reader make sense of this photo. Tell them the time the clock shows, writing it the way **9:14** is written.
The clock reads **7:20**
